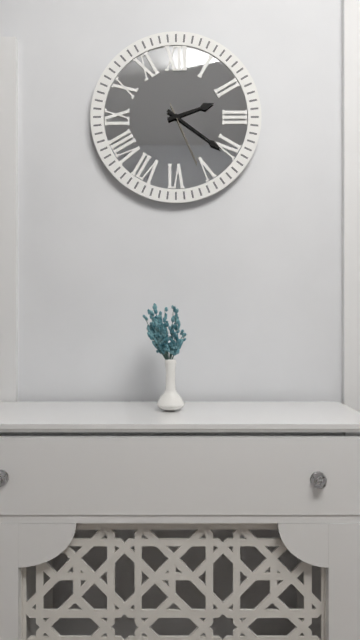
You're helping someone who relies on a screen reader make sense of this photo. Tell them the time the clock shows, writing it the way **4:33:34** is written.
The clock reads **2:21:26**
